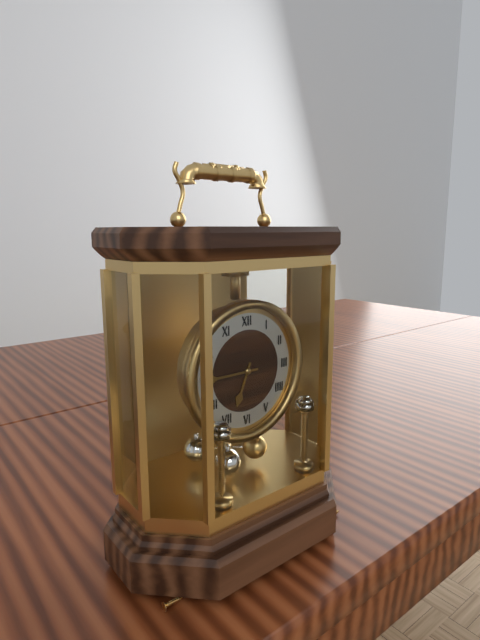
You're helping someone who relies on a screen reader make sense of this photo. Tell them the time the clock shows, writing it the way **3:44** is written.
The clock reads **6:45**
